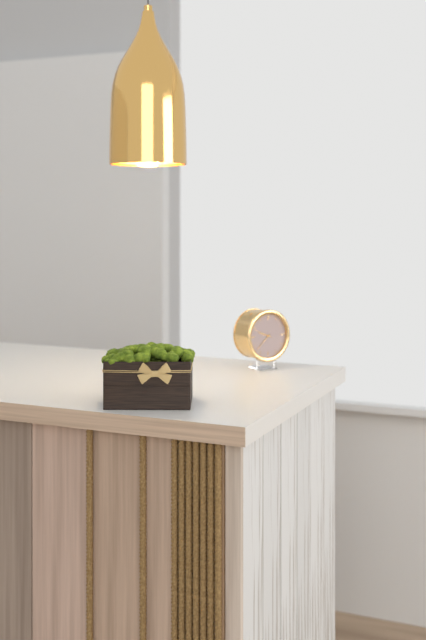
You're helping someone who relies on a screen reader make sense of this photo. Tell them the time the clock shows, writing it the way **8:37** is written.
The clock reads **9:38**
